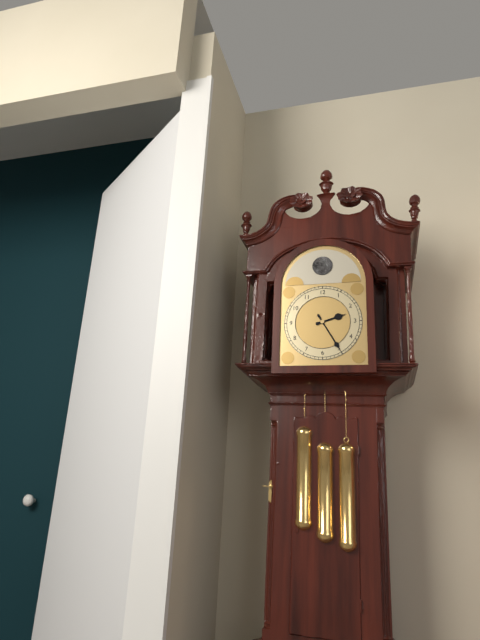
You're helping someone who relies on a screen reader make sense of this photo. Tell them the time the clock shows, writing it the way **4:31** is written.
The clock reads **2:25**
